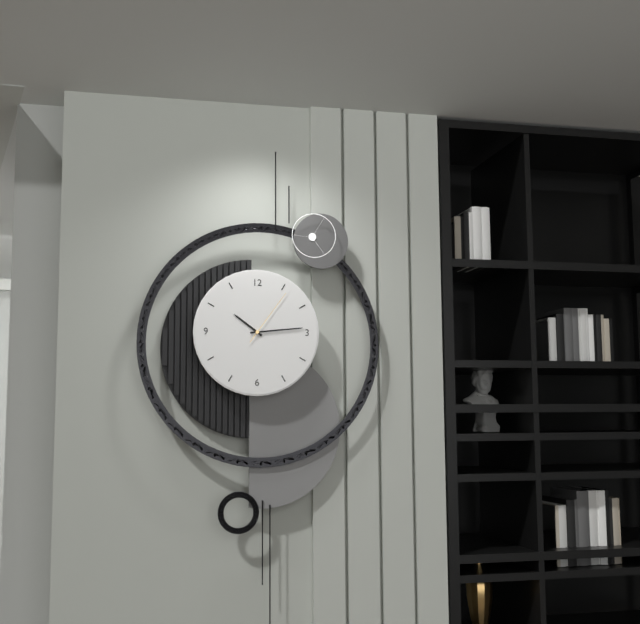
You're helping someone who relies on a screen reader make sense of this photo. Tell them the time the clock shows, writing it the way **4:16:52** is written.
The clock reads **10:14:06**
